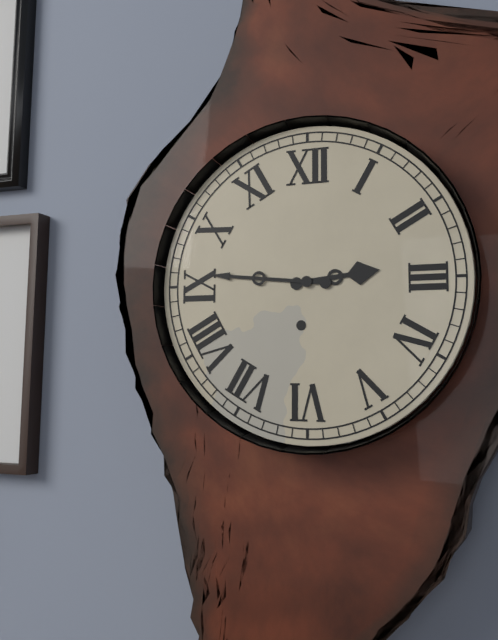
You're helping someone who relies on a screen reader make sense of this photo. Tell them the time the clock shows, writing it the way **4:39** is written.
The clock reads **2:46**
